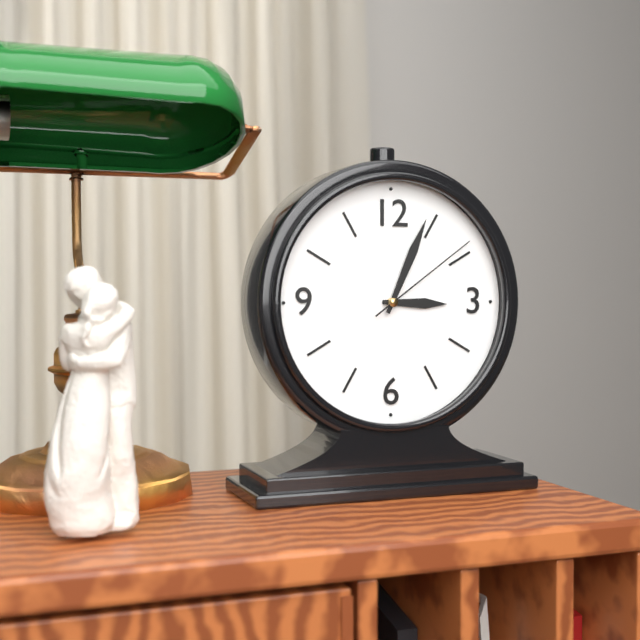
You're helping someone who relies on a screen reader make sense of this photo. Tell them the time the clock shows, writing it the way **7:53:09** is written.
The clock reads **3:04:09**
